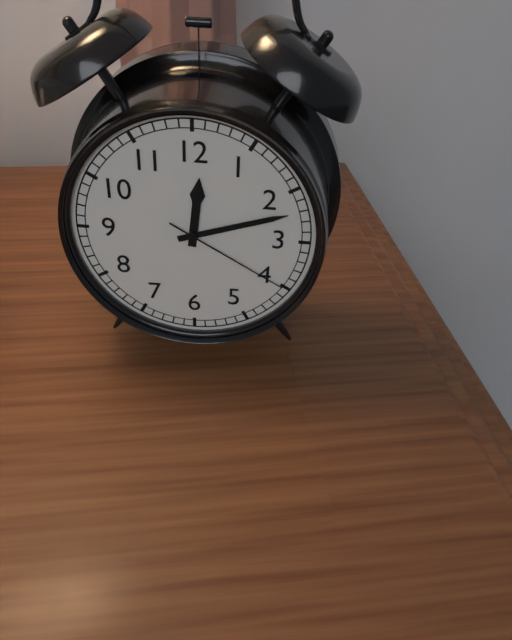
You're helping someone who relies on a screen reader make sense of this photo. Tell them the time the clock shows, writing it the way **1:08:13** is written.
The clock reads **12:12:20**
